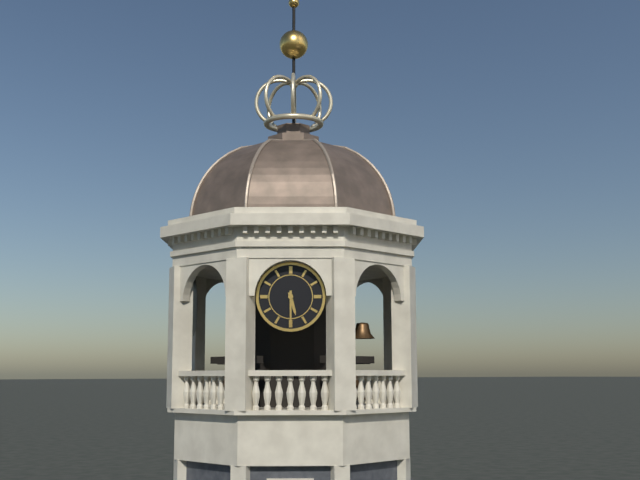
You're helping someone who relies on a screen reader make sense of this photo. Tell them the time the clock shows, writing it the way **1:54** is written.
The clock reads **5:30**
